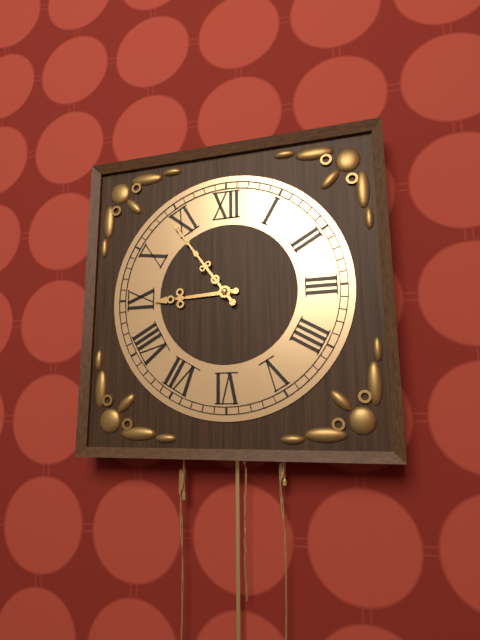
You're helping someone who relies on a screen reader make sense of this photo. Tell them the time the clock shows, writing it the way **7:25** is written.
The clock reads **8:54**
